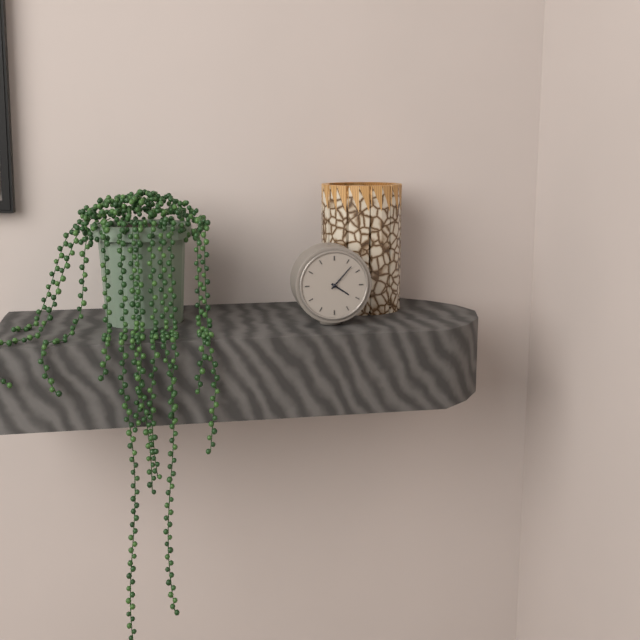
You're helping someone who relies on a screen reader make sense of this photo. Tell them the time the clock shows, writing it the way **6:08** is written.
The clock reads **4:07**
